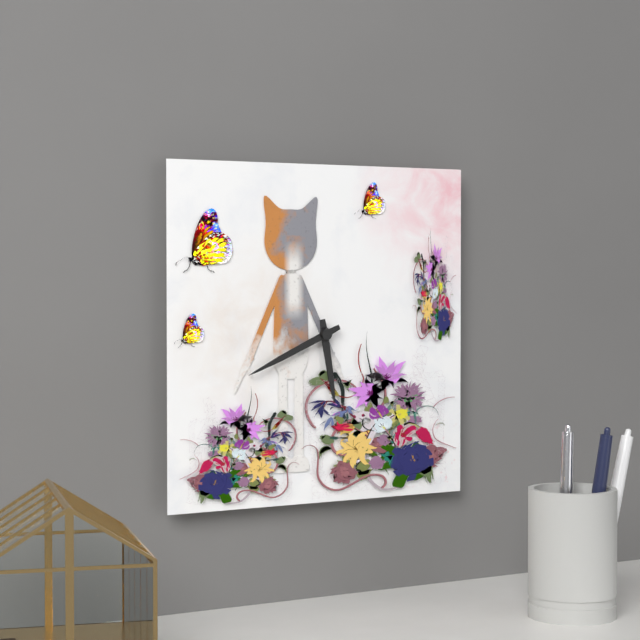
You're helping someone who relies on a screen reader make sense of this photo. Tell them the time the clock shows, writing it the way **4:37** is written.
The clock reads **5:41**
